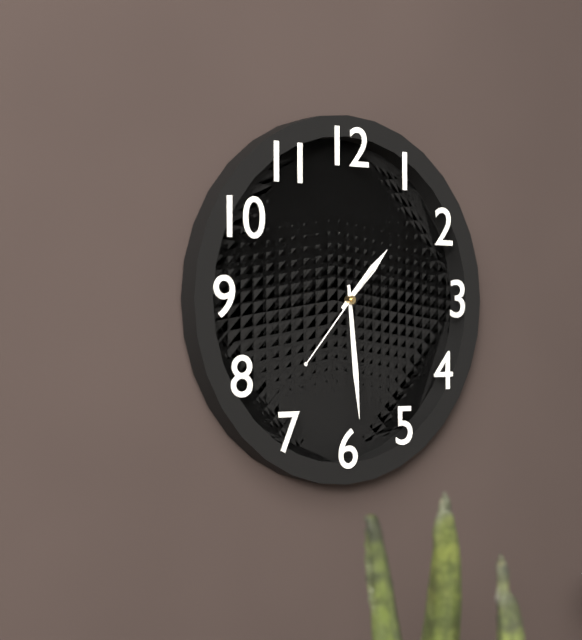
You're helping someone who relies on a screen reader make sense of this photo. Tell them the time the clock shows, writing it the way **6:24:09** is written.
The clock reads **1:29:37**
